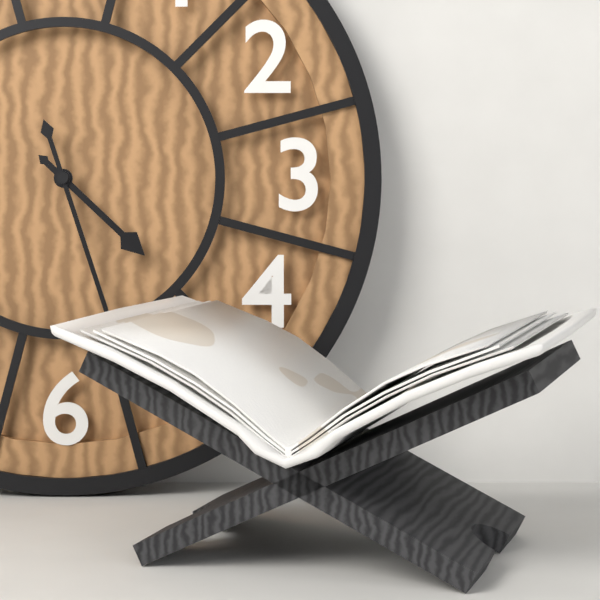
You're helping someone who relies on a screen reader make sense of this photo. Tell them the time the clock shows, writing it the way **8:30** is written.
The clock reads **4:27**
